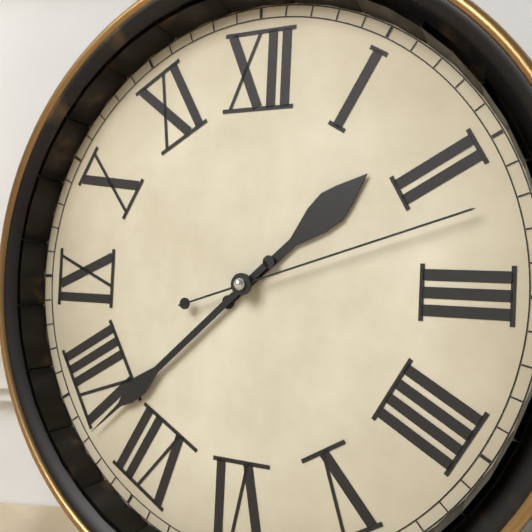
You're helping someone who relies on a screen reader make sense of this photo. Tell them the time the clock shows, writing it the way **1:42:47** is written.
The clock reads **1:38:12**
